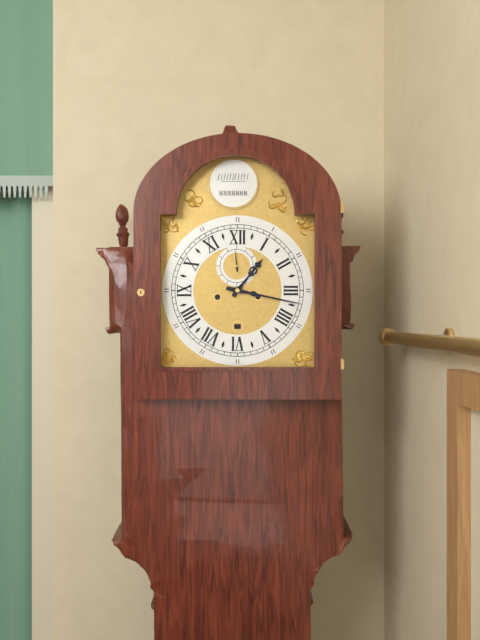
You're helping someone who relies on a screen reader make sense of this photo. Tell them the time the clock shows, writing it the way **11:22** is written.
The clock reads **1:17**
